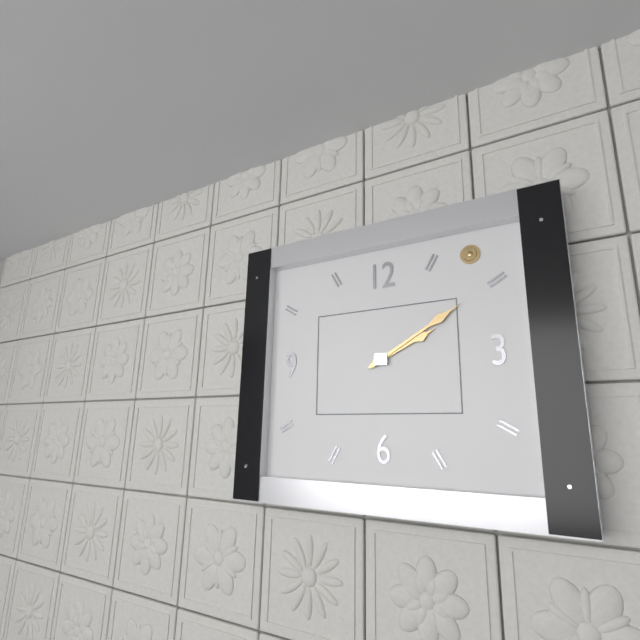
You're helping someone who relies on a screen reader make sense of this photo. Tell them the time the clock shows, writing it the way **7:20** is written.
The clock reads **2:10**
